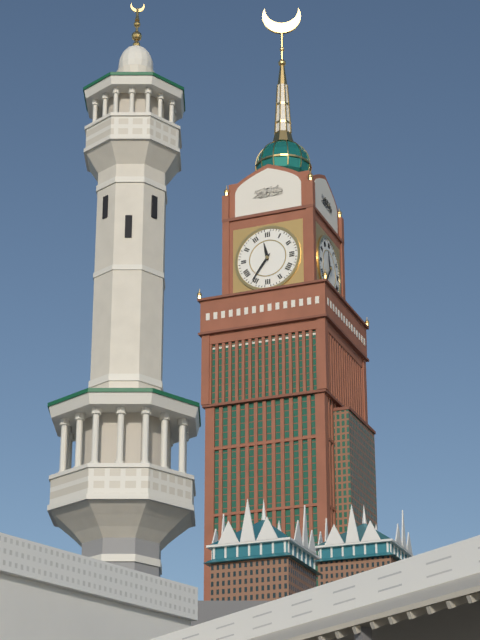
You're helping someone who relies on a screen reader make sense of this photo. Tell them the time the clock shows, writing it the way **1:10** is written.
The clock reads **11:36**
